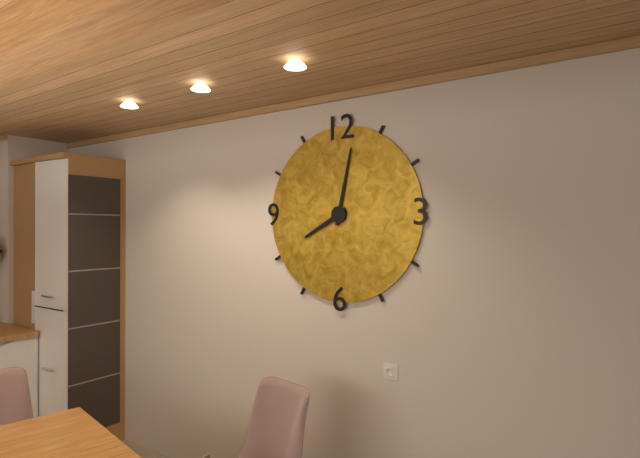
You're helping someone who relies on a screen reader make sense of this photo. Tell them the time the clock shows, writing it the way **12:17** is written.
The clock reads **8:02**
